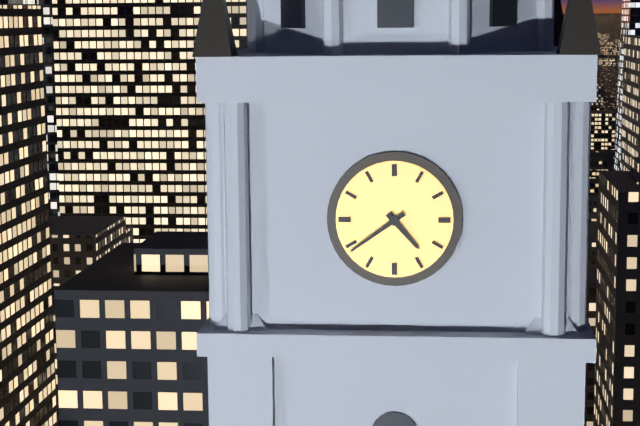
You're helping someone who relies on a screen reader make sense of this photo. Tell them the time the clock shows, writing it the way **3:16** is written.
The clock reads **4:39**
